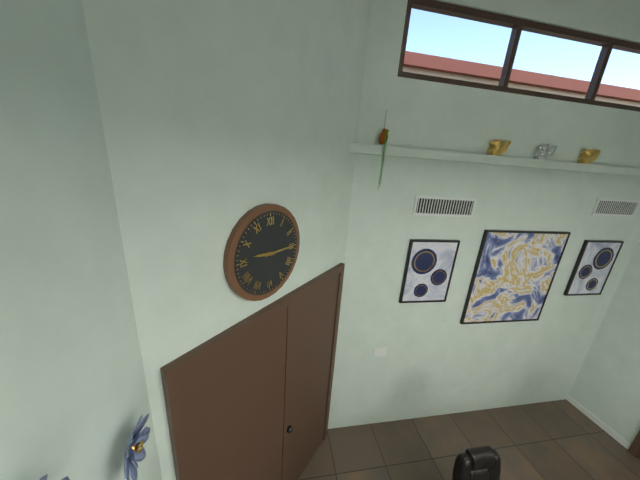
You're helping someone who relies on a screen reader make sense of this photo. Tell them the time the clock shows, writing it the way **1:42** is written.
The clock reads **9:15**
